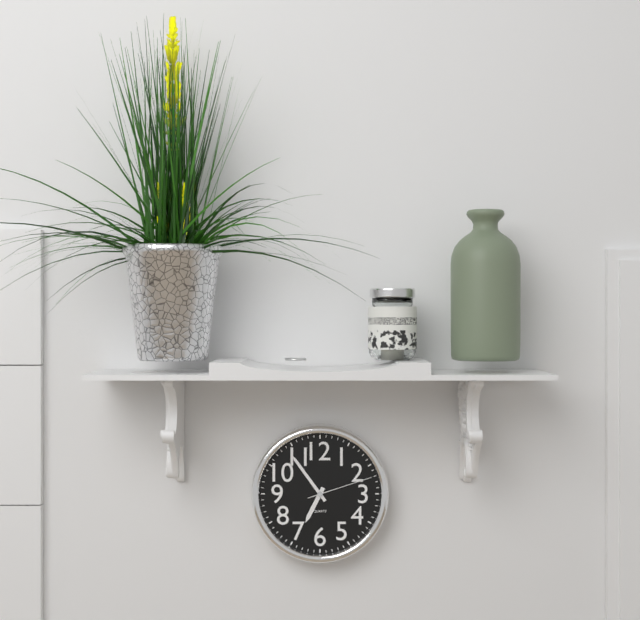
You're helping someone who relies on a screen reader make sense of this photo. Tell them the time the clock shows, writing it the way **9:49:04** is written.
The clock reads **6:54:12**
